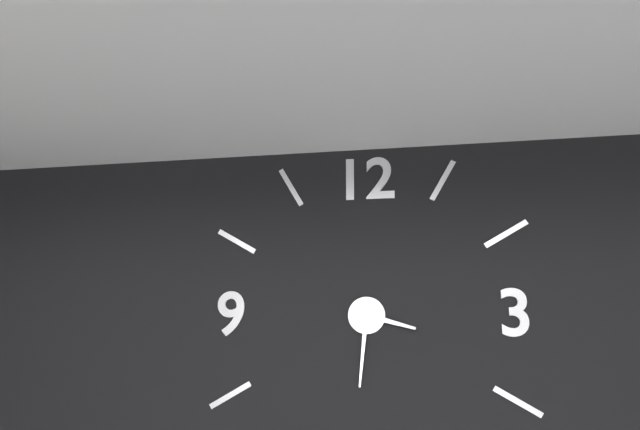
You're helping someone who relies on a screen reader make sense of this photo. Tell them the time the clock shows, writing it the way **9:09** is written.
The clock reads **3:31**
